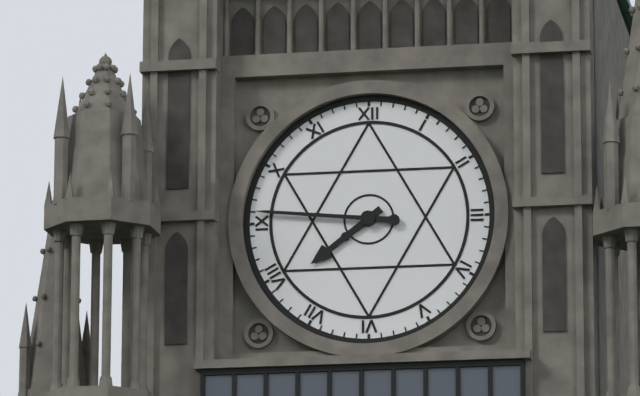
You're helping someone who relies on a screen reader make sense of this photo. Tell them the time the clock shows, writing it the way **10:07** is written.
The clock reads **7:46**
